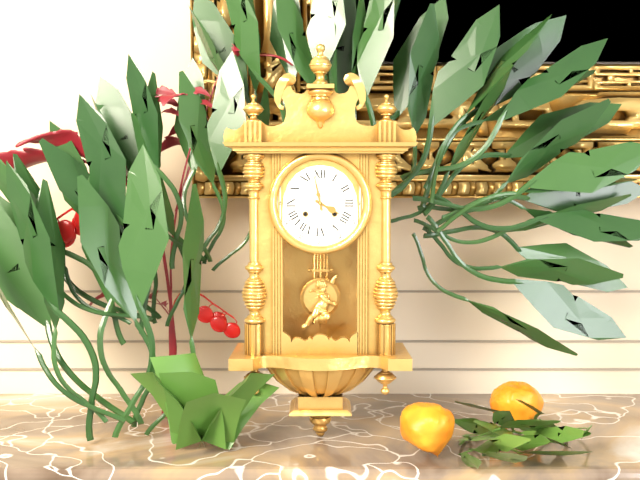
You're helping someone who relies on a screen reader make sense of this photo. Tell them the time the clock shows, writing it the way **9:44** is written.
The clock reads **3:58**
